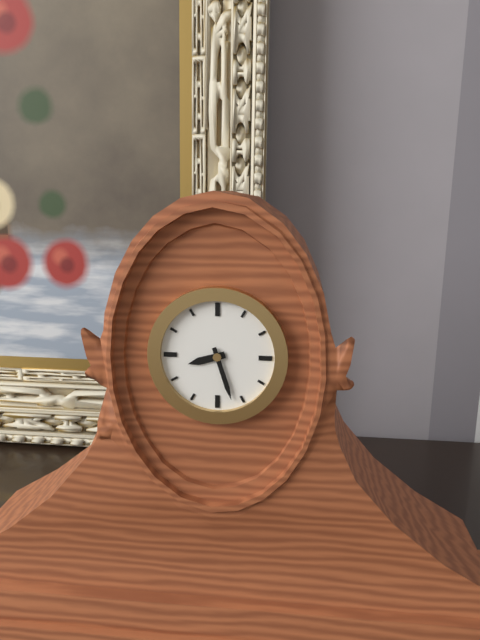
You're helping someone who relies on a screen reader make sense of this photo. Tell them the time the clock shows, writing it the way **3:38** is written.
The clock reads **8:27**
